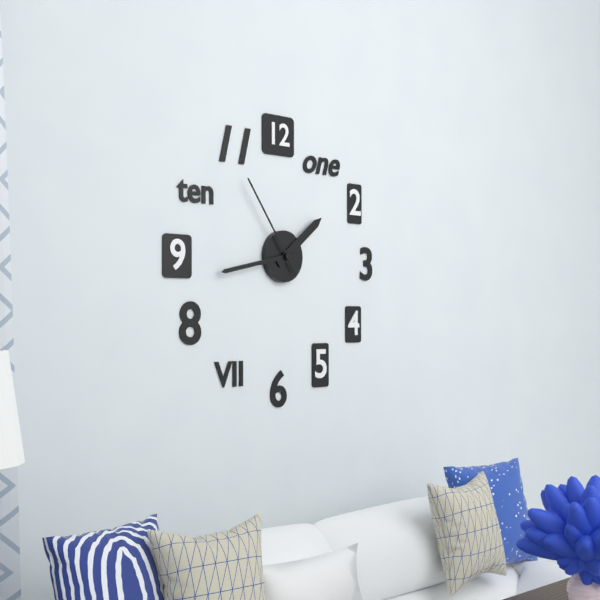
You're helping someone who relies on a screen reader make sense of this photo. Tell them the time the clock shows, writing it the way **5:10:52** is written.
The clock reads **1:43:54**
